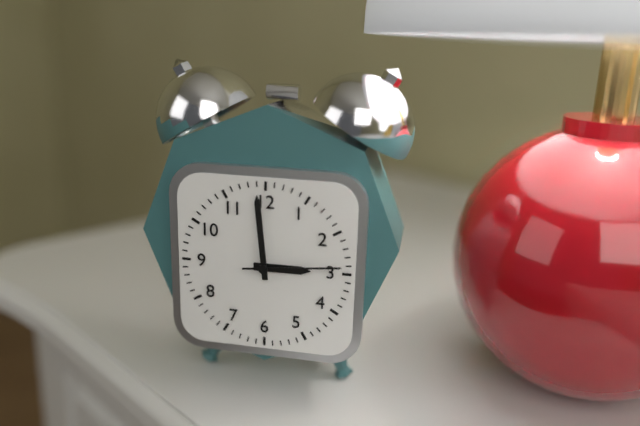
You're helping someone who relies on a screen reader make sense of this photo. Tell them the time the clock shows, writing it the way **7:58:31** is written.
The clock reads **2:59:14**
